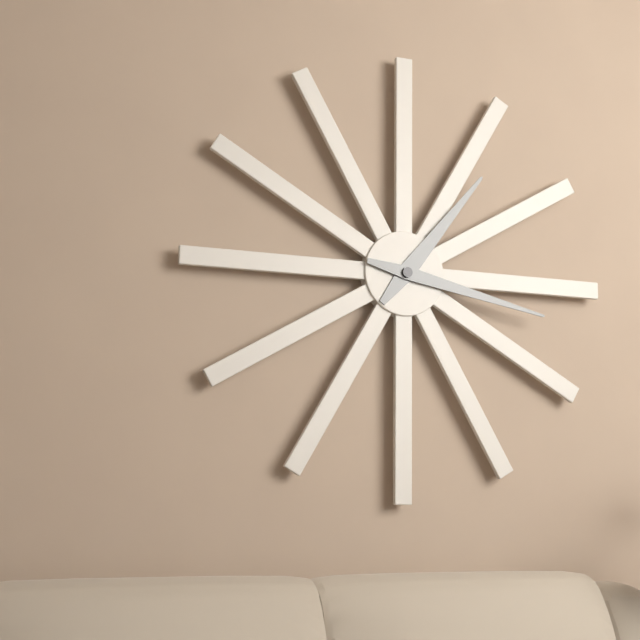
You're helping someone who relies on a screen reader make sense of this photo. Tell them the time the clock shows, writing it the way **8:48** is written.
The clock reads **1:17**
